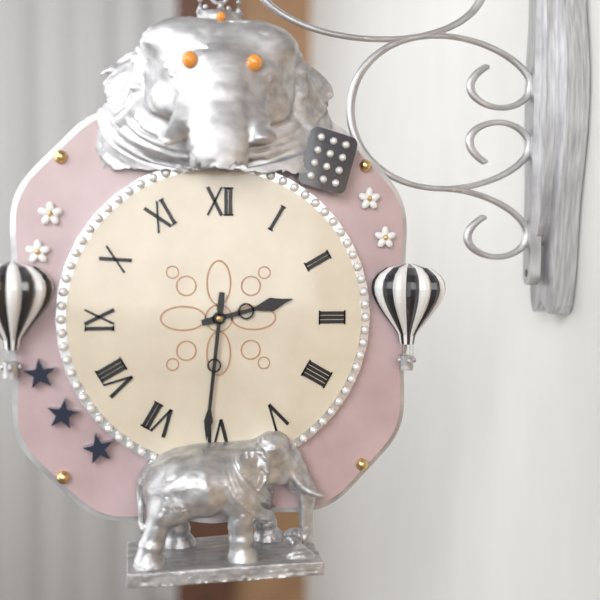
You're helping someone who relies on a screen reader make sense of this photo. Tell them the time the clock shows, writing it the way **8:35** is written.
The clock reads **2:31**
